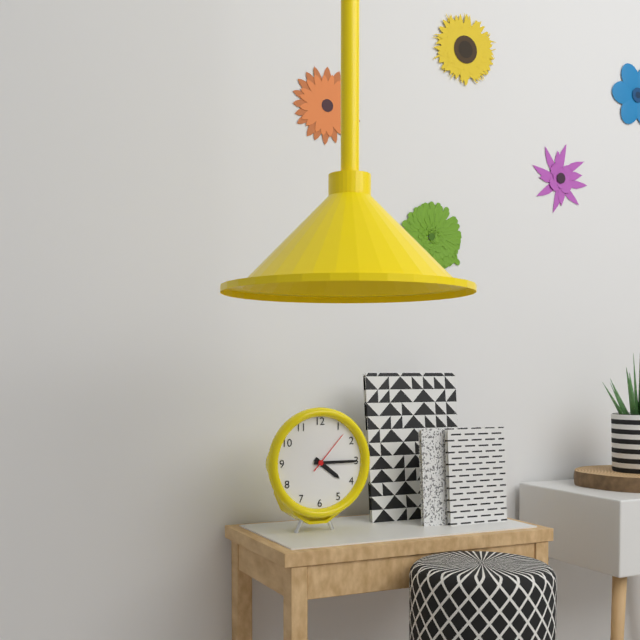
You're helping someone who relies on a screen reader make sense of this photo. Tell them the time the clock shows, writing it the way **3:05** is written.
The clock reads **4:15**
